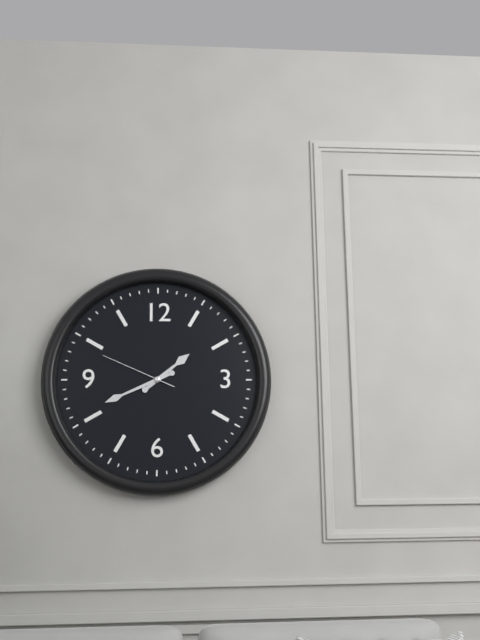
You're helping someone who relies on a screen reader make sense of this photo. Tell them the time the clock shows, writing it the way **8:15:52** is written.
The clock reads **1:41:49**
